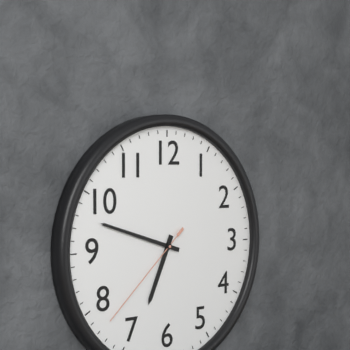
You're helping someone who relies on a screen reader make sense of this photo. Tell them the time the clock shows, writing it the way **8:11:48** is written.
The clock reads **6:48:38**
